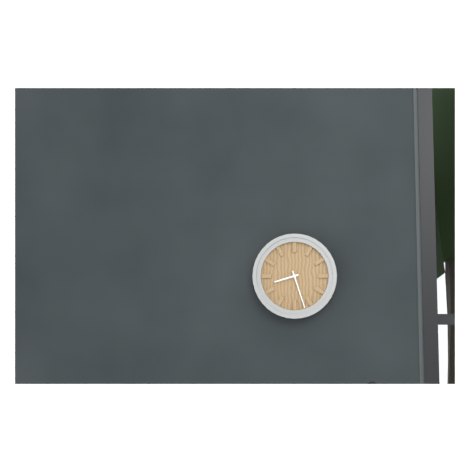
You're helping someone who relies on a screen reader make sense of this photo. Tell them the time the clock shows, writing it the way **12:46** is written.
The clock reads **8:27**
